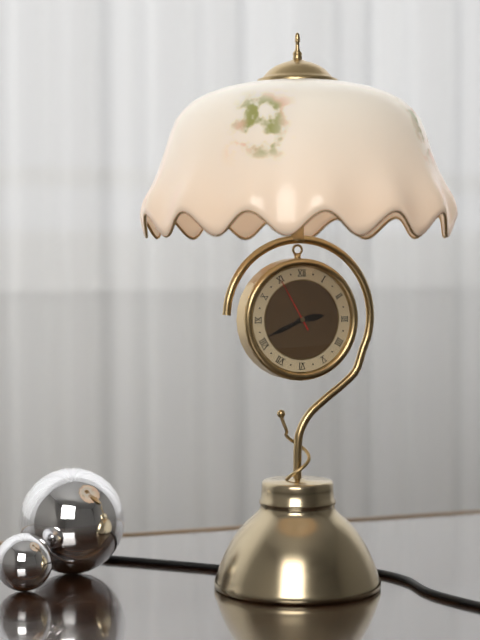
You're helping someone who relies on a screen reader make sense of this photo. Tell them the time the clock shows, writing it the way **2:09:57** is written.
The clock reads **2:41:55**
